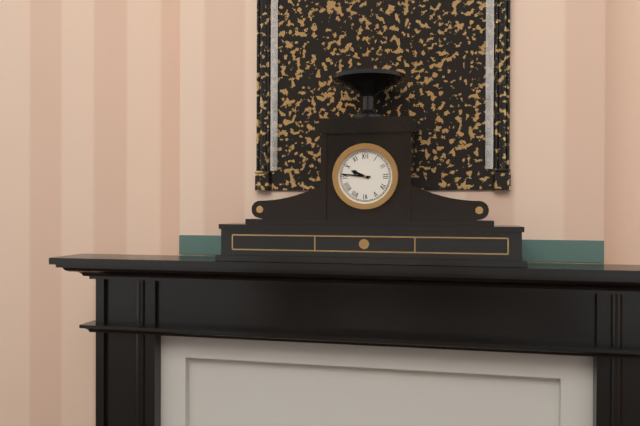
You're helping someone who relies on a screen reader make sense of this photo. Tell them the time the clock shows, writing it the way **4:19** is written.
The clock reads **9:46**
